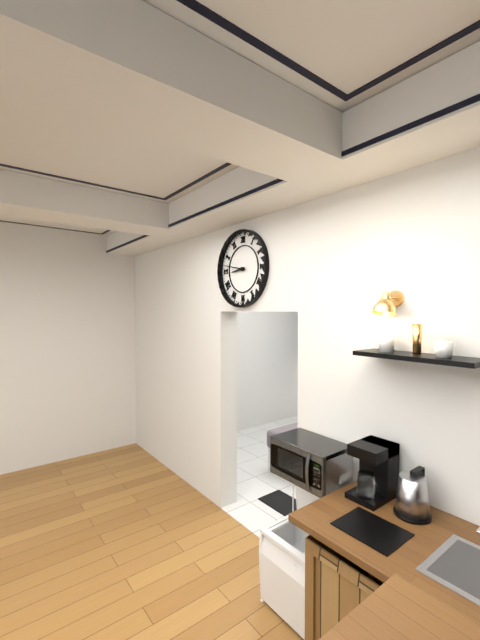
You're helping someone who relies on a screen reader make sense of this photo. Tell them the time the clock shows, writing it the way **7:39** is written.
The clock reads **8:47**
